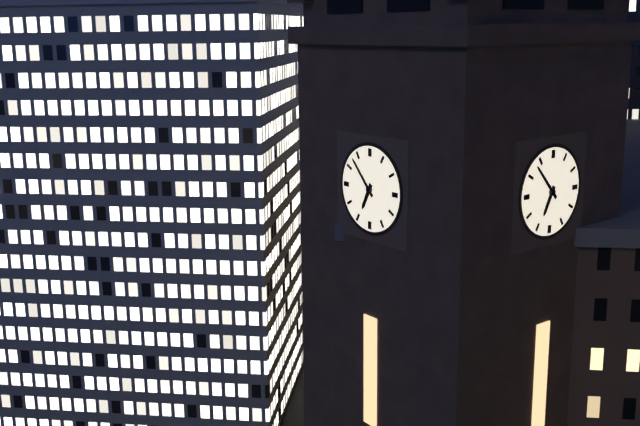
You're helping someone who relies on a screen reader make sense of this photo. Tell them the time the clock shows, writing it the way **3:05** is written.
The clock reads **6:53**
